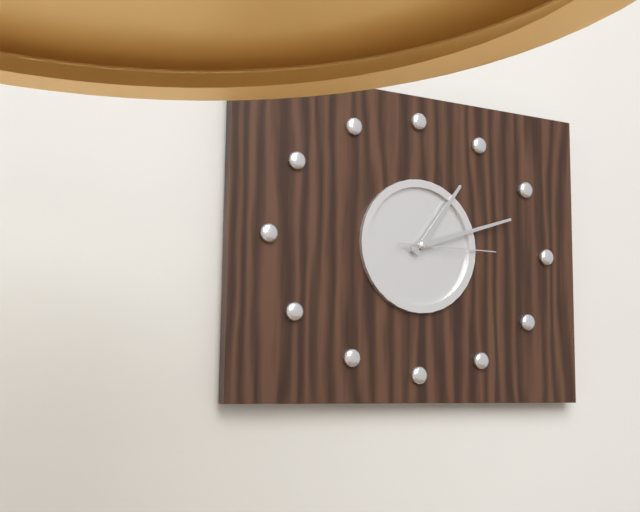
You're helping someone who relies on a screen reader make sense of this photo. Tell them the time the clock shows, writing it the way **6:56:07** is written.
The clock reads **1:12:15**
